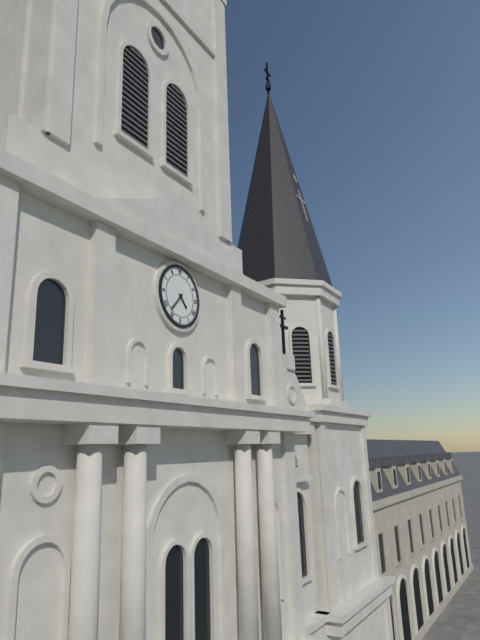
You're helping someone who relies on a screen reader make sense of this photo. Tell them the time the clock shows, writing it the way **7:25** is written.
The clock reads **4:37**
